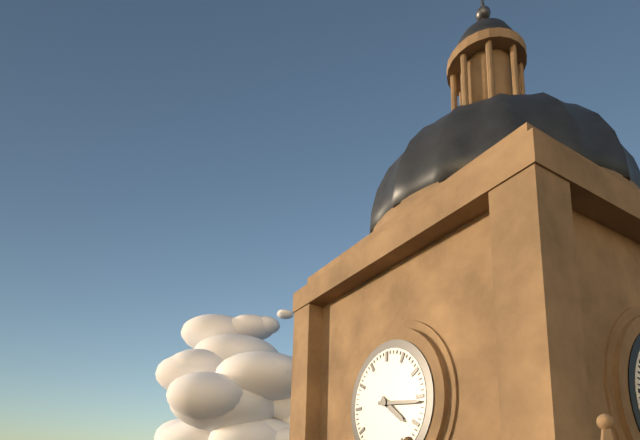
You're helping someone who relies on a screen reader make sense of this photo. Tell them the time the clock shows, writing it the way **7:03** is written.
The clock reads **4:16**
